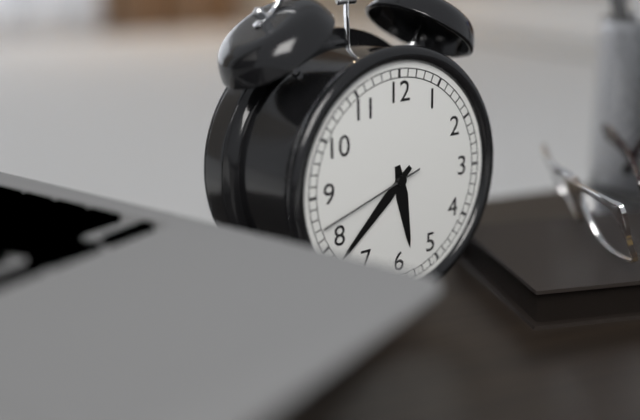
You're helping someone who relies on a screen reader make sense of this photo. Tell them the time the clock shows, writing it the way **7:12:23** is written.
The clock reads **5:38:42**
